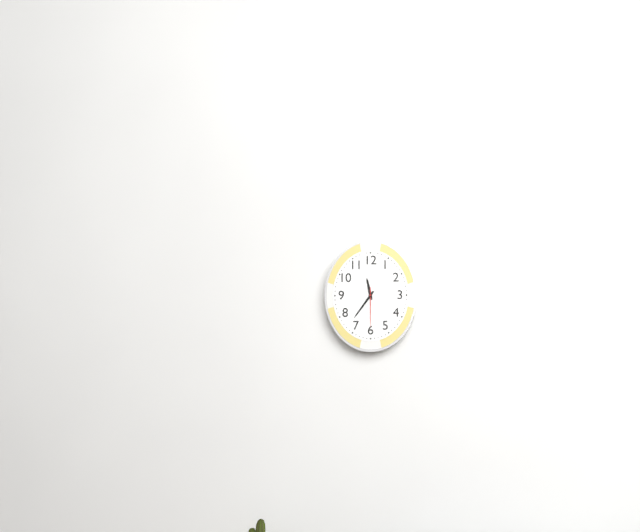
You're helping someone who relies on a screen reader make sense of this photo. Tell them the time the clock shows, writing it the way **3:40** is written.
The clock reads **11:36**
